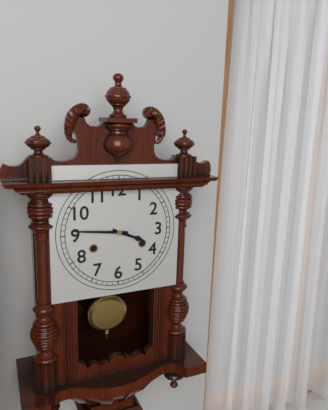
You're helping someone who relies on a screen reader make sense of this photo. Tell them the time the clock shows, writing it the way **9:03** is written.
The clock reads **3:46**
